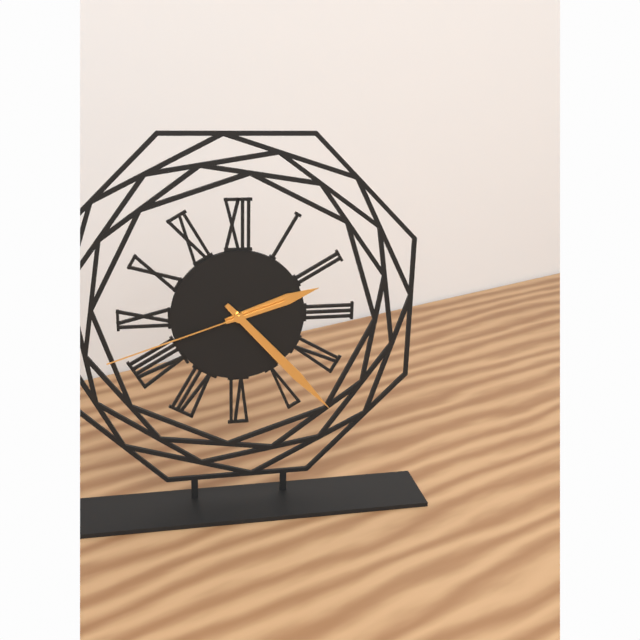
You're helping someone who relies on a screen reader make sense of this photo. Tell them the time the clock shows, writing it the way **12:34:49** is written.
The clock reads **2:23:42**
